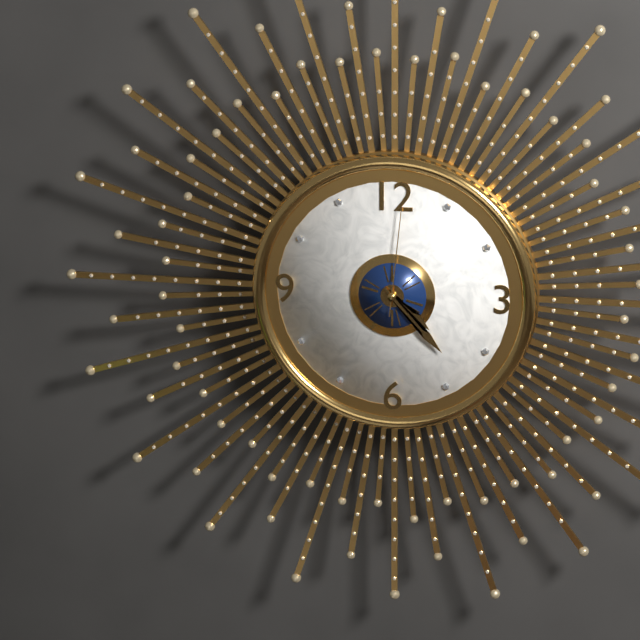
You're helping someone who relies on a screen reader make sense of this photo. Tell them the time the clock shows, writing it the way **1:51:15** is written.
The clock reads **4:23:01**
